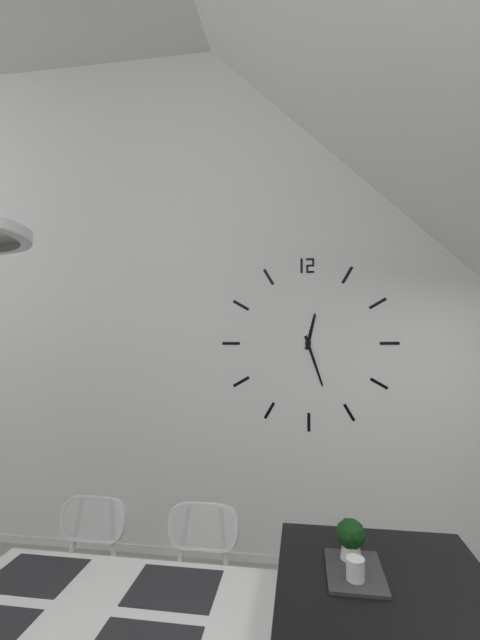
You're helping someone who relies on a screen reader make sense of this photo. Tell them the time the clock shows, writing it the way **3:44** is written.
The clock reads **12:27**
